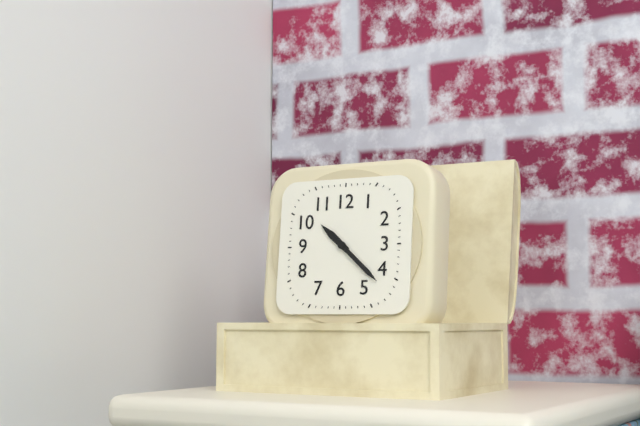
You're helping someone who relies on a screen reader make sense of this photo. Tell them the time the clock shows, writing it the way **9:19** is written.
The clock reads **10:22**
